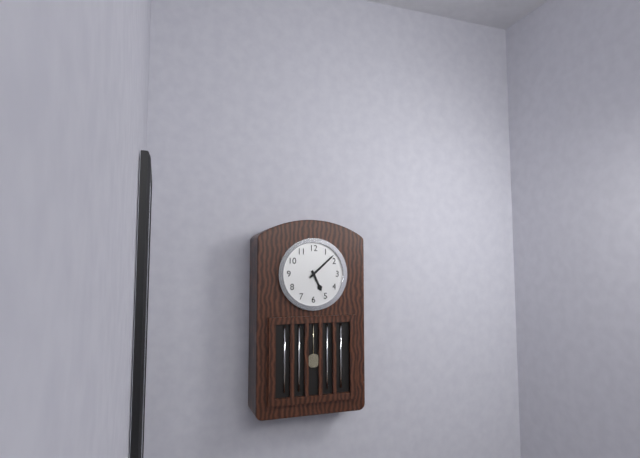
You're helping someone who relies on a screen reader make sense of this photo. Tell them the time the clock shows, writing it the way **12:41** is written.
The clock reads **5:08**
